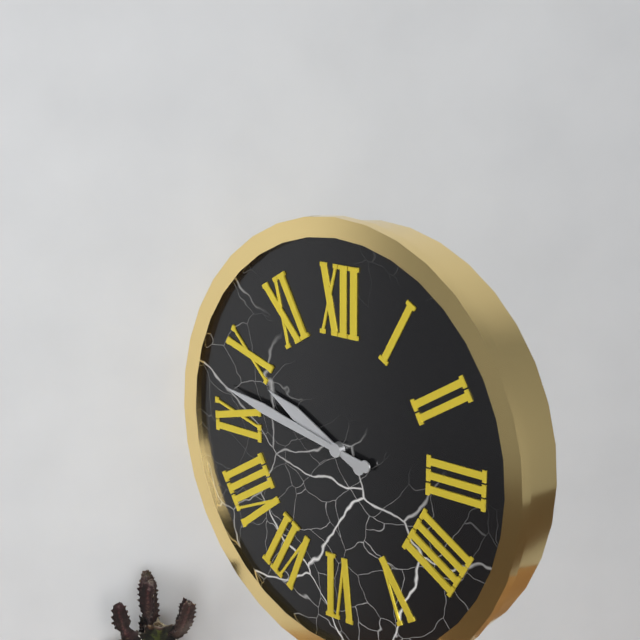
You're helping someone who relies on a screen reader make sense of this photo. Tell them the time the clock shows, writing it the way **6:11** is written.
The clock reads **9:47**
